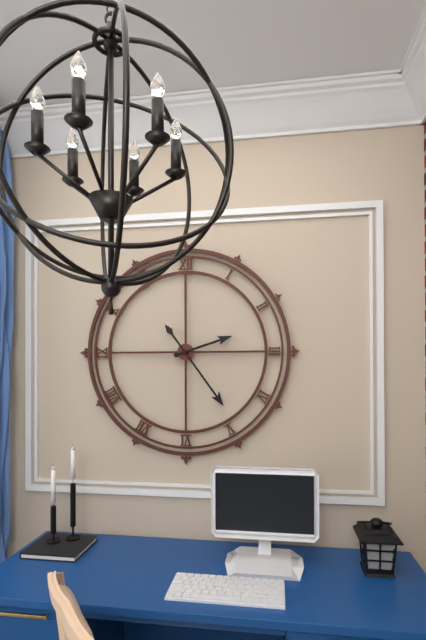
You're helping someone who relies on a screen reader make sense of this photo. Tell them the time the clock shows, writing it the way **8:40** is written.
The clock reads **2:24**
